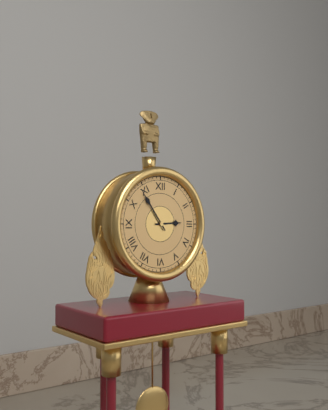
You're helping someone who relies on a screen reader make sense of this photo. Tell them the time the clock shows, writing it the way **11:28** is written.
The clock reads **2:54**
